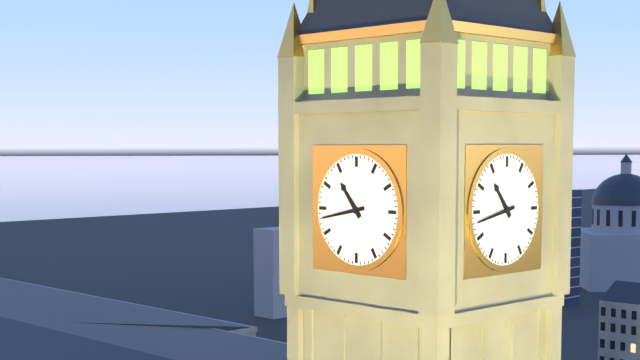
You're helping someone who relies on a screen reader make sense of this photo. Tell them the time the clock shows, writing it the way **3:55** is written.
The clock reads **10:43**
